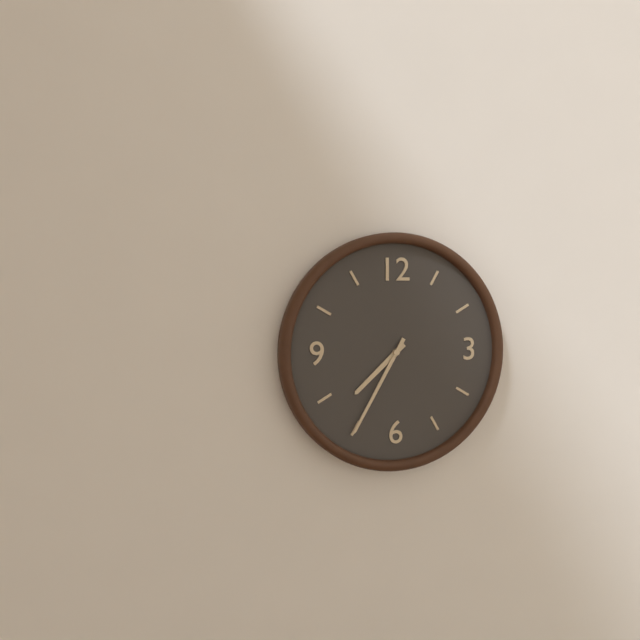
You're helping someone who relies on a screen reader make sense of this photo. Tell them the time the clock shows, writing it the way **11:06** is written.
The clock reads **7:35**
